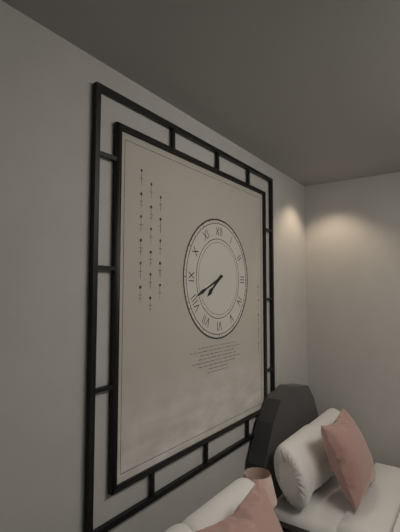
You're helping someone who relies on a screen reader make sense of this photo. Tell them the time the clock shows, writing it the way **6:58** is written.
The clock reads **7:41**
